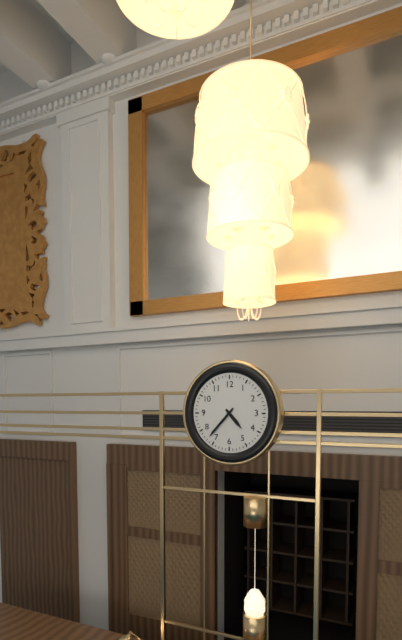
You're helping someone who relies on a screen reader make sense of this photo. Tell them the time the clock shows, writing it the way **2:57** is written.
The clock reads **4:37**
